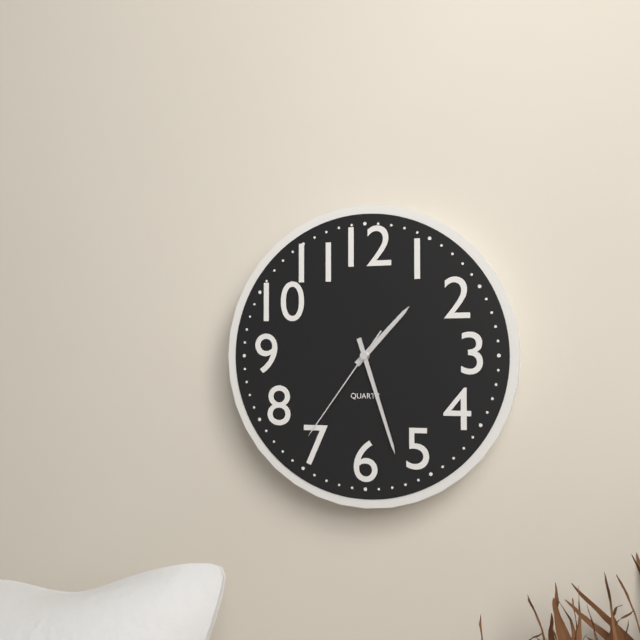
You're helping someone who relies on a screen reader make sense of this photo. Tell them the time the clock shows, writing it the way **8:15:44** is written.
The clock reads **1:27:36**
